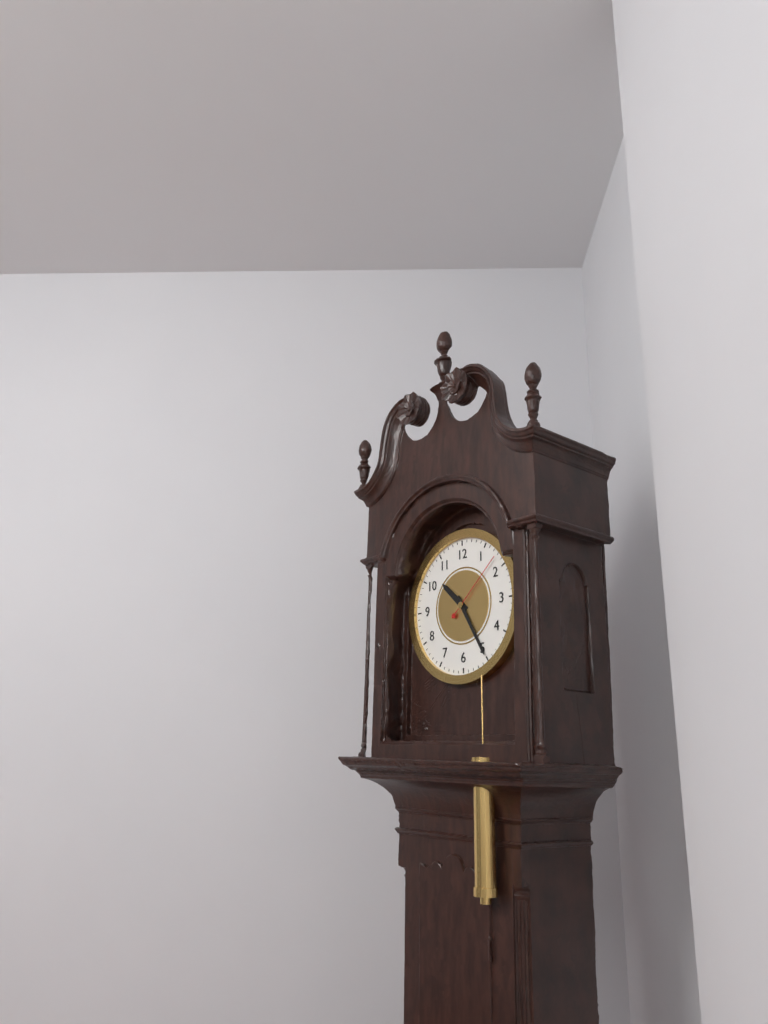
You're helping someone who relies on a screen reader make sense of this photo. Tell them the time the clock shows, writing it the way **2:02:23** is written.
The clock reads **10:25:08**
